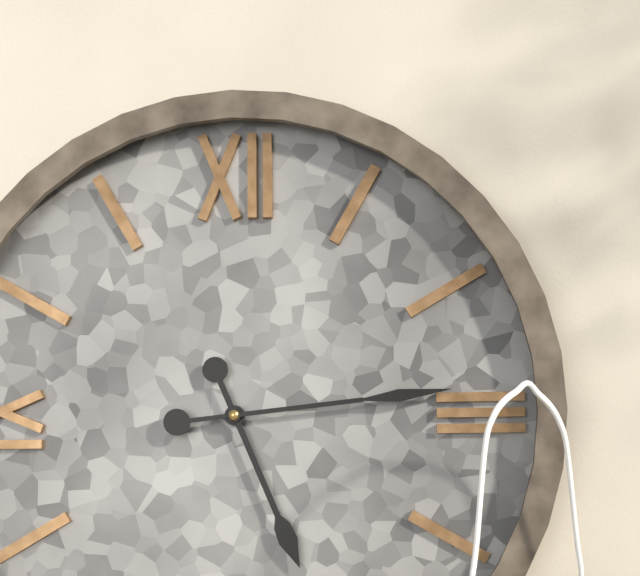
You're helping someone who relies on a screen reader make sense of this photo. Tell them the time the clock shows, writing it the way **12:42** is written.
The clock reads **5:14**
